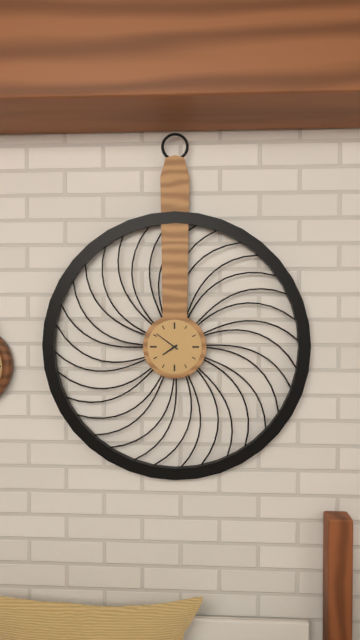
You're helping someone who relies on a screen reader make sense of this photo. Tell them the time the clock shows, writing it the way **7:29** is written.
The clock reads **7:51**
